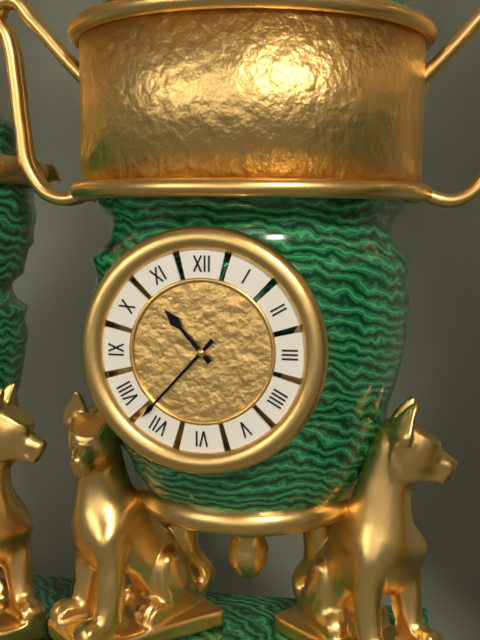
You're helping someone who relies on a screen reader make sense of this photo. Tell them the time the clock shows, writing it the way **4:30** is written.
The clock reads **10:37**
